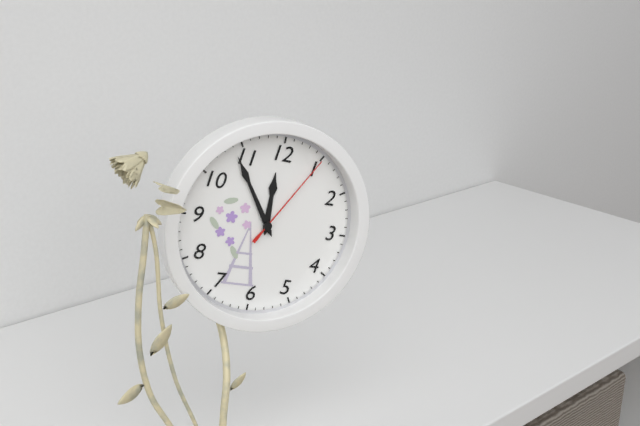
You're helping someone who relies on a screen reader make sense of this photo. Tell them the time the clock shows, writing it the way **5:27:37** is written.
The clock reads **11:54:05**
